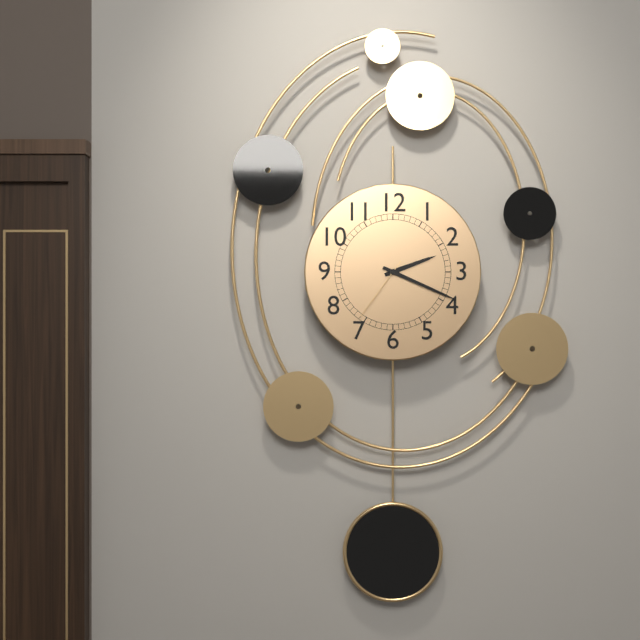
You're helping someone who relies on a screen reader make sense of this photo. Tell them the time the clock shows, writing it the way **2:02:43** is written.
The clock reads **2:19:36**
